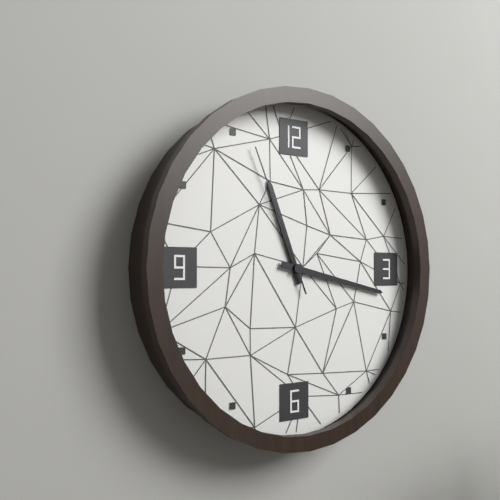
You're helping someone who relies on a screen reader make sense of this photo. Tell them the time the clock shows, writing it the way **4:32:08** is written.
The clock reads **11:17:56**
